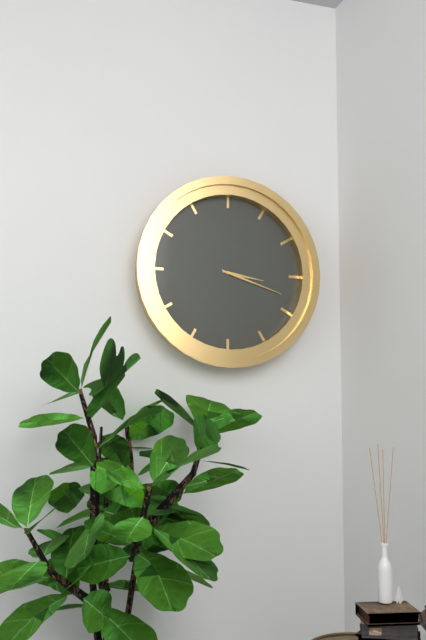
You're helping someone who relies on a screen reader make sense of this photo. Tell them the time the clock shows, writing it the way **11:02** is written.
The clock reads **3:18**
